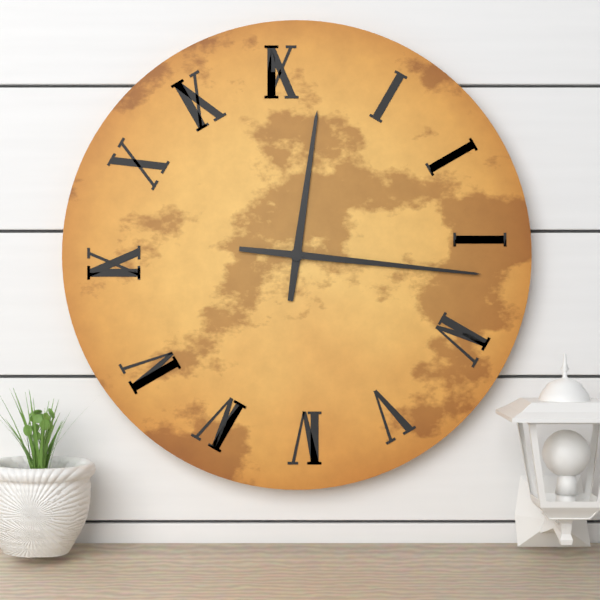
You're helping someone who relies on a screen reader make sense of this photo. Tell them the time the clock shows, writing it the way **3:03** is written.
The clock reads **12:16**
